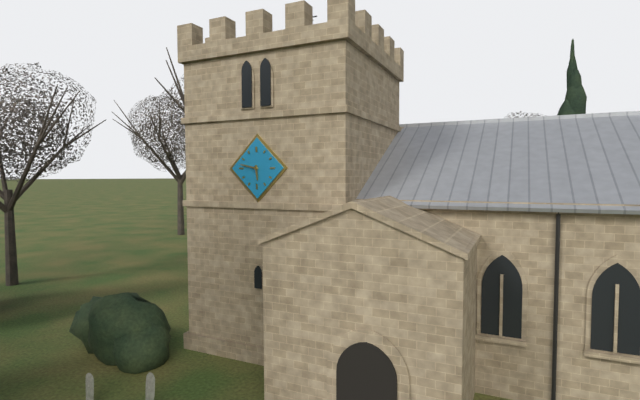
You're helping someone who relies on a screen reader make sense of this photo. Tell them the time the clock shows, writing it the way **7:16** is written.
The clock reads **5:47**
